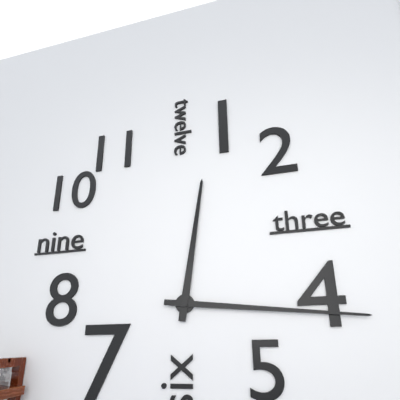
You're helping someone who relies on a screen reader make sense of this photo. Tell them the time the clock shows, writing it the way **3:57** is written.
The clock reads **12:16**
